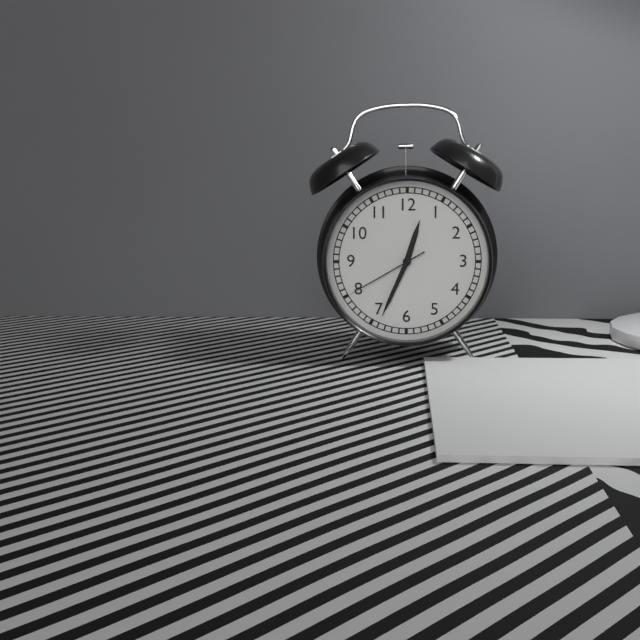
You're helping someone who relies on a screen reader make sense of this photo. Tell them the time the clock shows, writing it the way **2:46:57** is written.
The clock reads **12:34:40**
